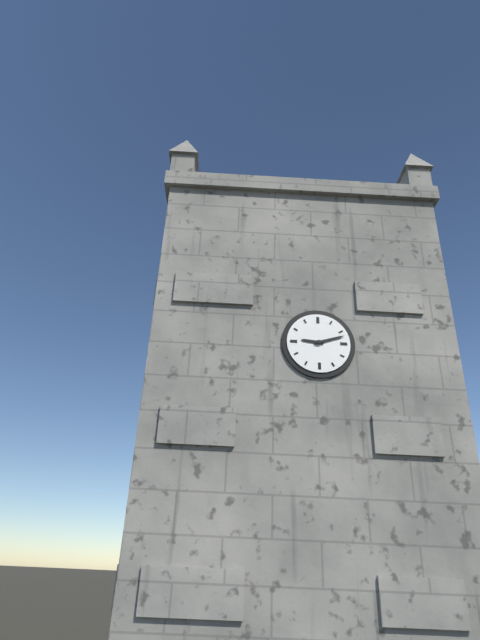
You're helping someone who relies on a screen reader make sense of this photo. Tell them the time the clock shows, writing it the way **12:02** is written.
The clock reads **9:12**
